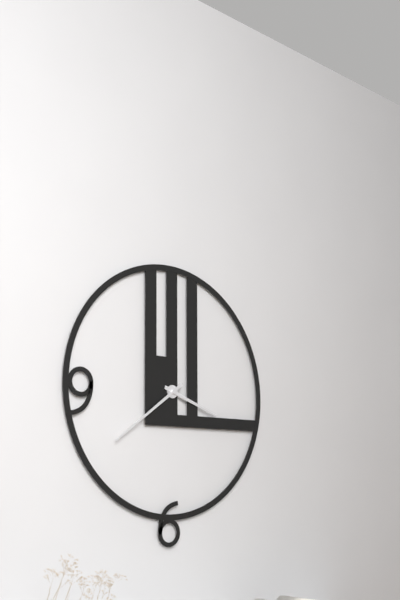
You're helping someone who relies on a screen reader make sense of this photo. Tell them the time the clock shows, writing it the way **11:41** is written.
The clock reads **3:39**
